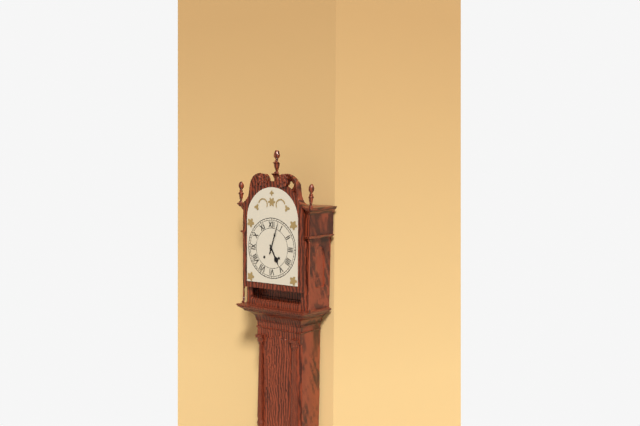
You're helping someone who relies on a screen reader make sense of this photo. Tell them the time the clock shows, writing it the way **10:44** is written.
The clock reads **5:03**
